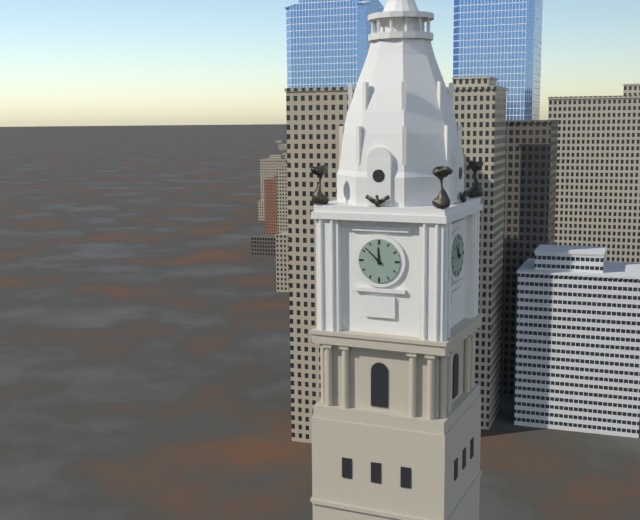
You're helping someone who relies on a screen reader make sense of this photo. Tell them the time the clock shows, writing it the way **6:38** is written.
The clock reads **11:52**
